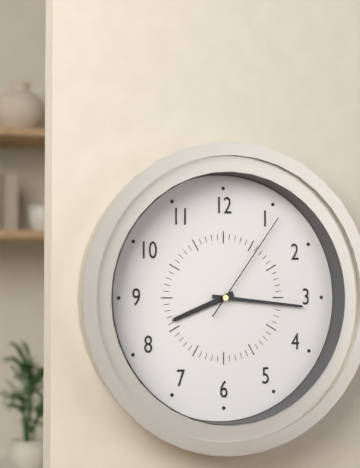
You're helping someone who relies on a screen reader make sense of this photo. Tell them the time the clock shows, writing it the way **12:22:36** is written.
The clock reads **8:16:06**
